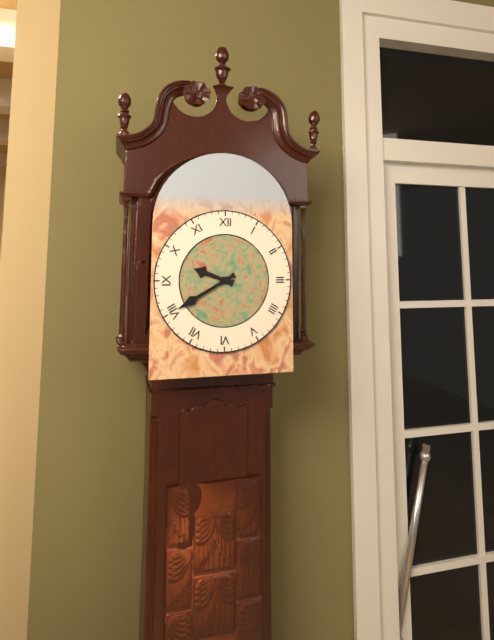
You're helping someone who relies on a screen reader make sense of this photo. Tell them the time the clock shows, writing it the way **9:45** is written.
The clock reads **9:40**
